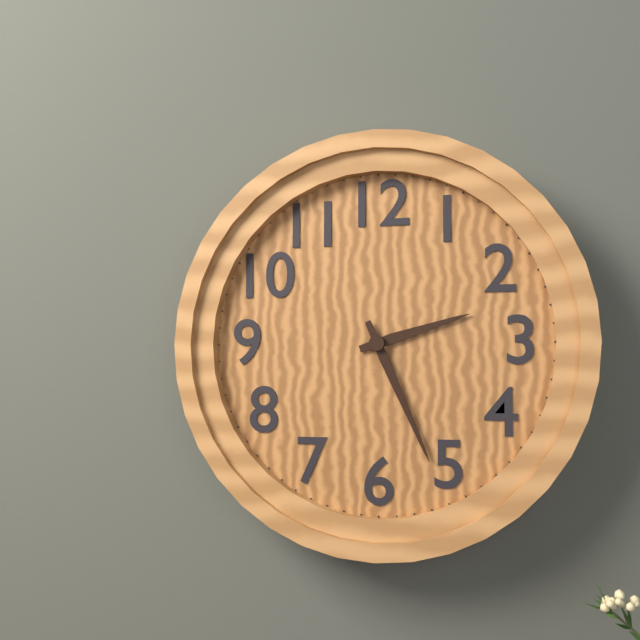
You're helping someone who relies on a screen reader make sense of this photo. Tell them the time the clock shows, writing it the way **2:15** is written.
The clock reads **2:26**
